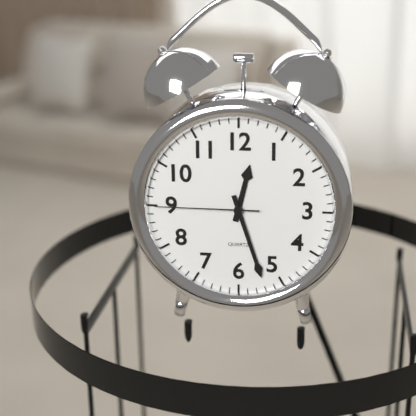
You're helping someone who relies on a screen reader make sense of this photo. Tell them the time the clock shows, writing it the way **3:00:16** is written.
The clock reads **12:27:45**
